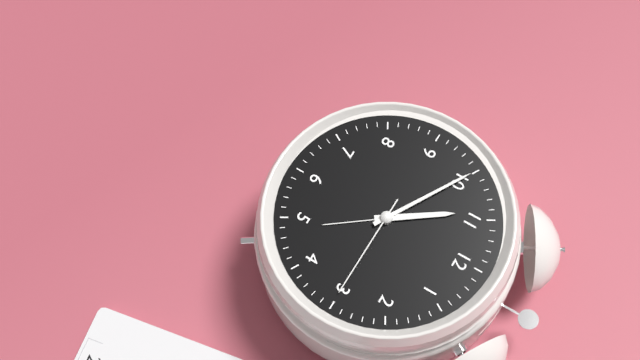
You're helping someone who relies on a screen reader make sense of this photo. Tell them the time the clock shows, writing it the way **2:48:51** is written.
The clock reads **10:50:15**
